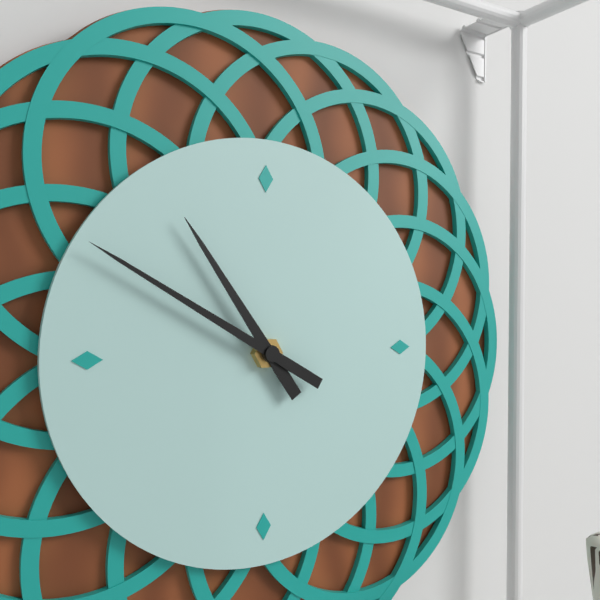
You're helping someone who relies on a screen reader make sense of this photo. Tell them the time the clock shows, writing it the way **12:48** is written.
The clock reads **10:50**
